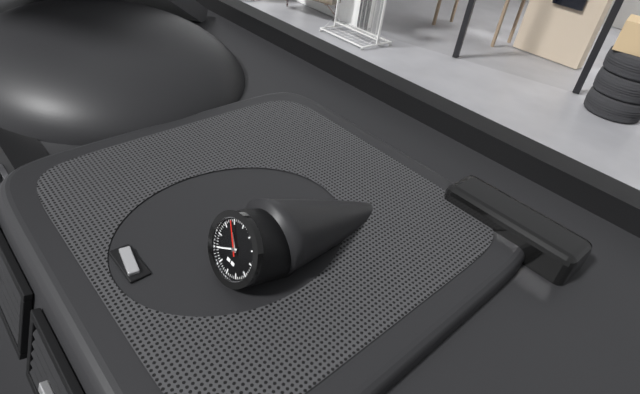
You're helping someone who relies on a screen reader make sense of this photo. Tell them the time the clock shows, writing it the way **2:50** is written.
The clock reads **10:40**
